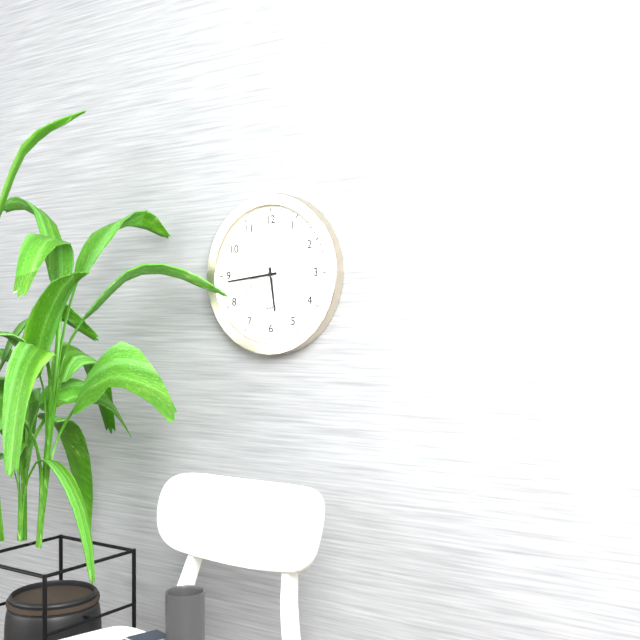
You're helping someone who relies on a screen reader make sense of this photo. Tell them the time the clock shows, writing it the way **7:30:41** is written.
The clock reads **5:44:24**
